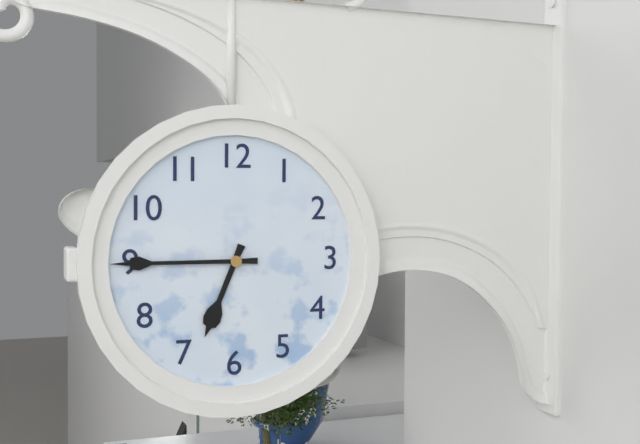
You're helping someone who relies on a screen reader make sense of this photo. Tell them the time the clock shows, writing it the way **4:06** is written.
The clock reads **6:45**
